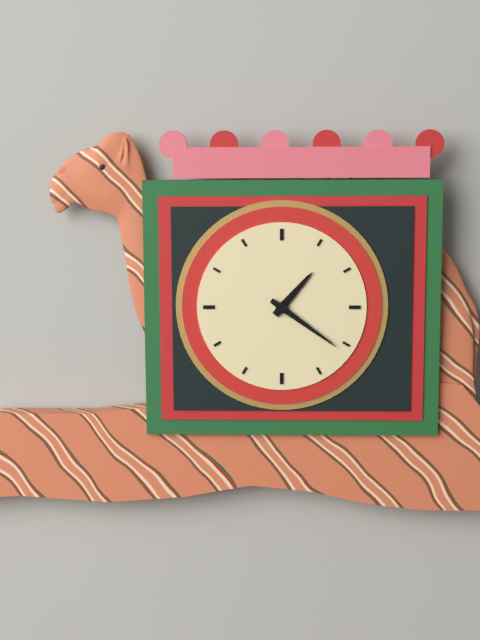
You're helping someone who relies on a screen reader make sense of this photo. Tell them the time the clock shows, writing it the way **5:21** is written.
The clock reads **1:21**
